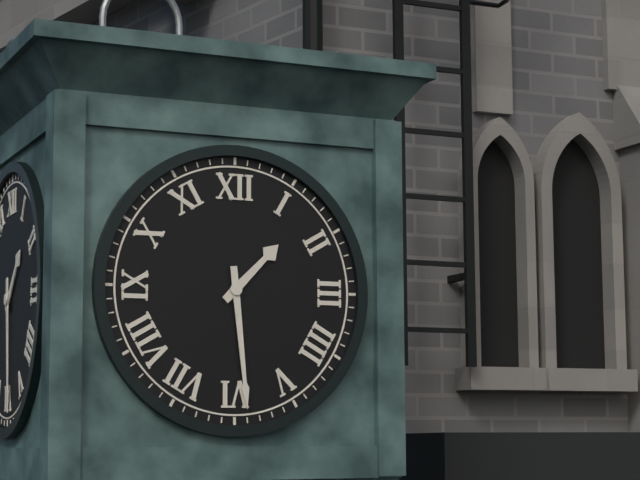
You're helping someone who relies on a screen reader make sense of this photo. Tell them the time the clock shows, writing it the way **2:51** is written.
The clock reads **1:29**
